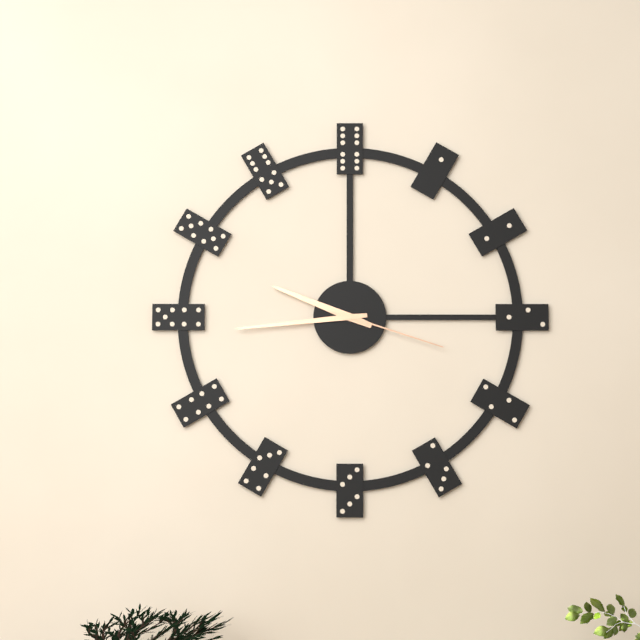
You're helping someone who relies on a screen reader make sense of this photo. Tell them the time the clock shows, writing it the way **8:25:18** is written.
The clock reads **9:44:18**
